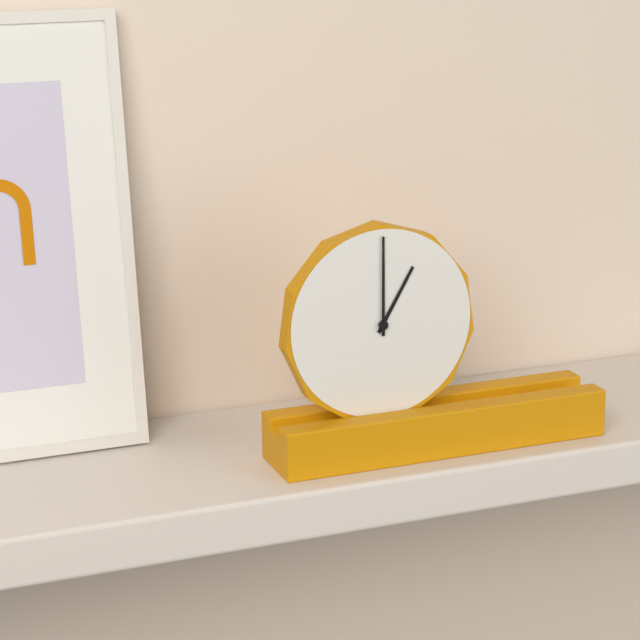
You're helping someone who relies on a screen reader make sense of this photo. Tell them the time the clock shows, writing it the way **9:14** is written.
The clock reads **1:00**
